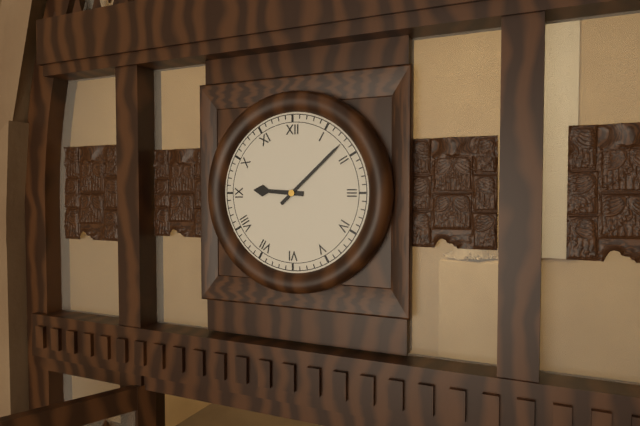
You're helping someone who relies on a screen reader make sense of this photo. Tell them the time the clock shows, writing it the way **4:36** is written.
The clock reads **9:08**
